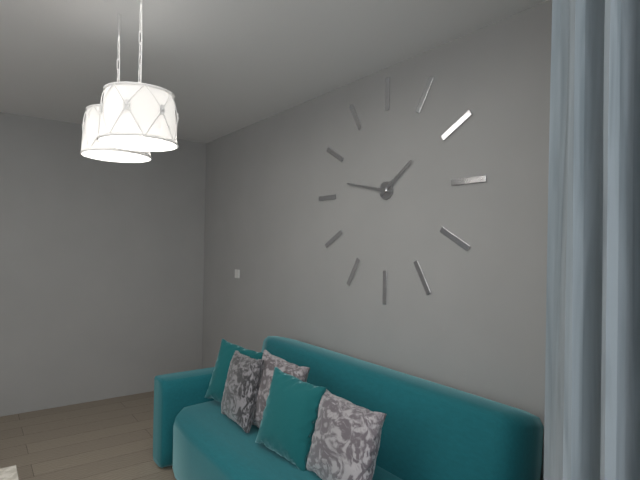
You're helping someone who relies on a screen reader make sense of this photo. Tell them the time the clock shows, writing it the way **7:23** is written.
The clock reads **1:47**
